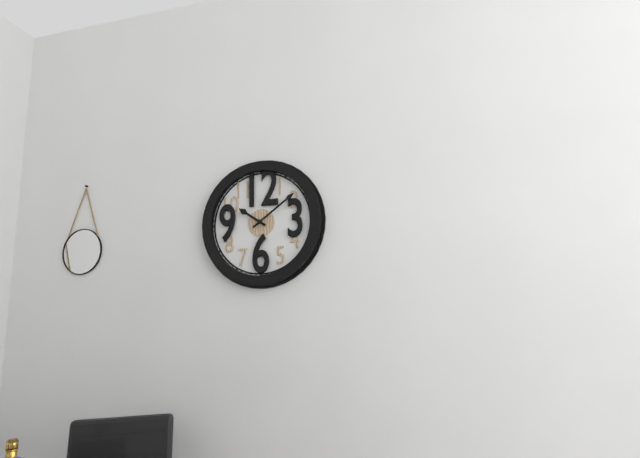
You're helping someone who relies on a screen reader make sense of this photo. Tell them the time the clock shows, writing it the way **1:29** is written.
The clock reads **10:09**
